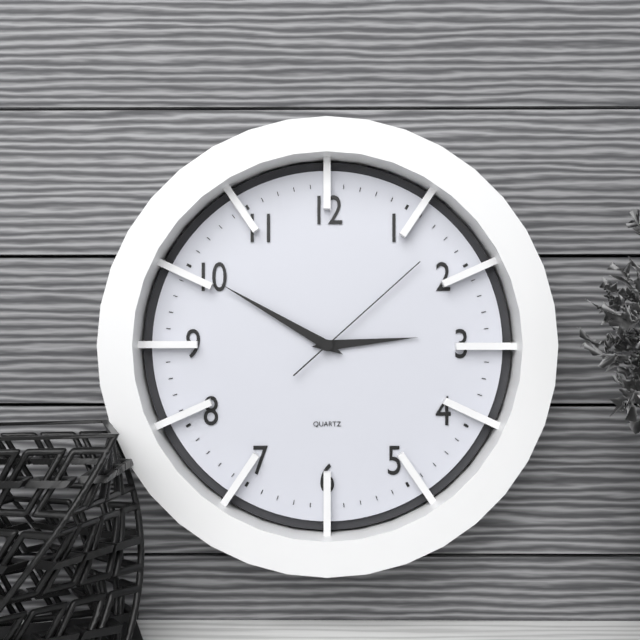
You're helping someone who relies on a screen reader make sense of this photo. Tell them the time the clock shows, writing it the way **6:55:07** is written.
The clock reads **2:50:08**
